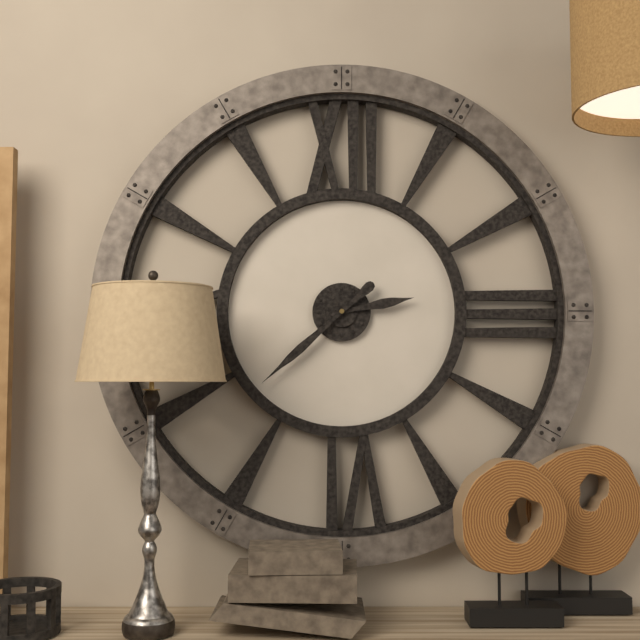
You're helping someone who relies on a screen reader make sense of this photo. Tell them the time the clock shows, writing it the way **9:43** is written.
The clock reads **2:38**
